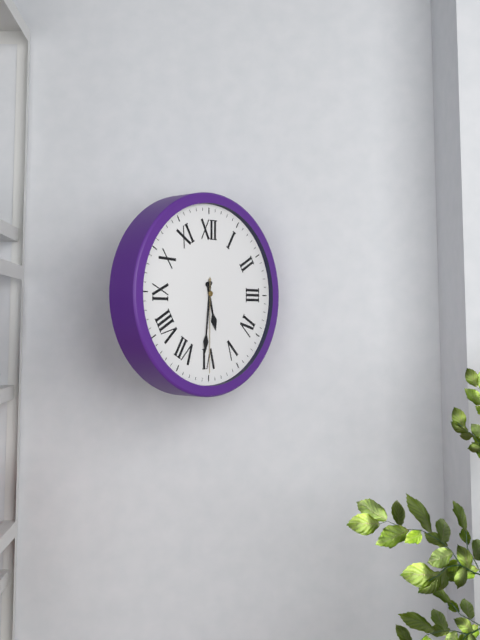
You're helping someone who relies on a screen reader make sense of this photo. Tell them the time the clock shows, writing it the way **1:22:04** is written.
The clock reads **5:31:30**
